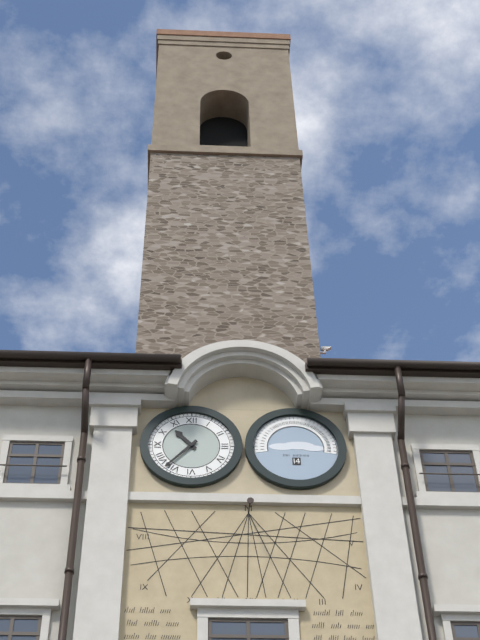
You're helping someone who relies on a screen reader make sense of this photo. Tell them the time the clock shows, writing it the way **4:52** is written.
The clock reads **10:37**
